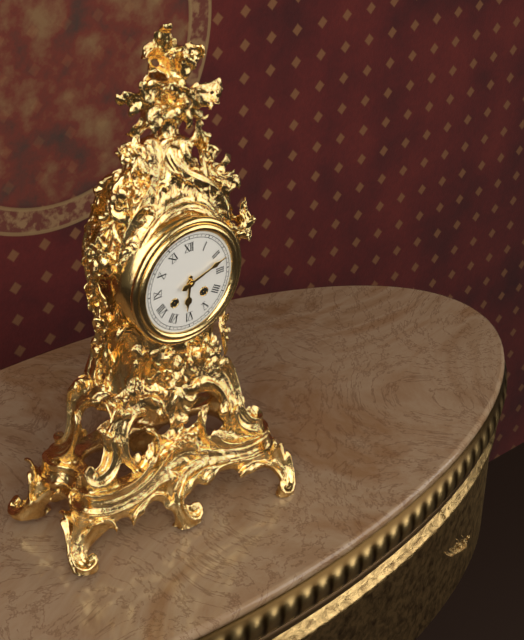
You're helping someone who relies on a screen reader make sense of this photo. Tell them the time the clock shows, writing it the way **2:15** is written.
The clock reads **6:12**
